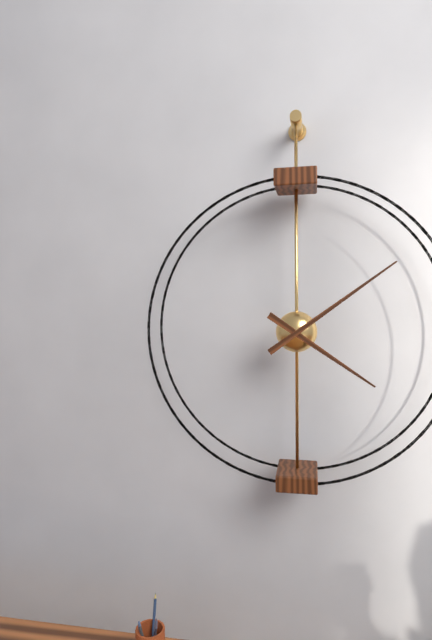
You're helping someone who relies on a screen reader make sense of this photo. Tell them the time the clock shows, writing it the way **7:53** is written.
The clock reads **4:09**
